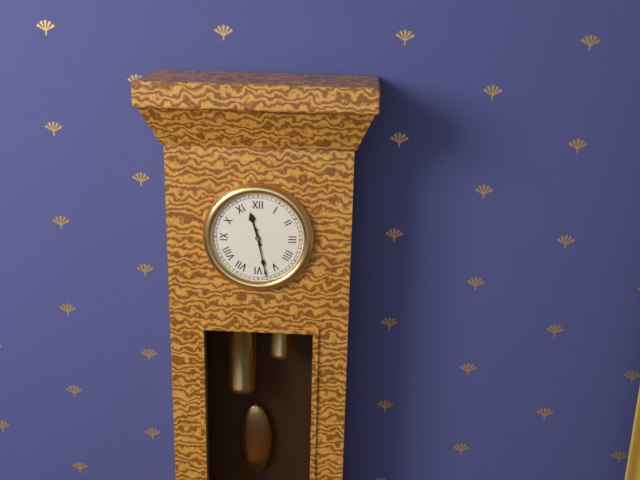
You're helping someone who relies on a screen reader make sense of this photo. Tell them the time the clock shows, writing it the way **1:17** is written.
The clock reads **11:28**
